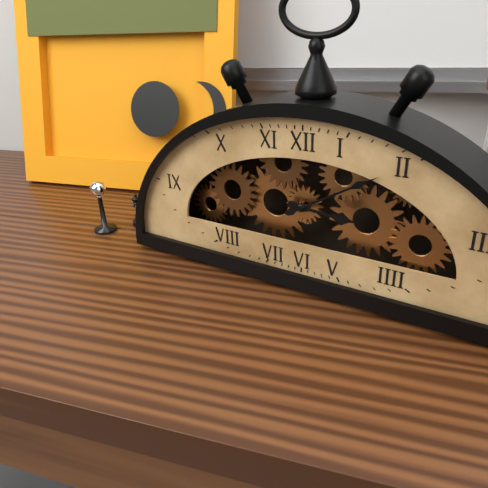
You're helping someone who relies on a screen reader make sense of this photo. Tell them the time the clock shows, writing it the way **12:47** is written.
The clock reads **3:10**
